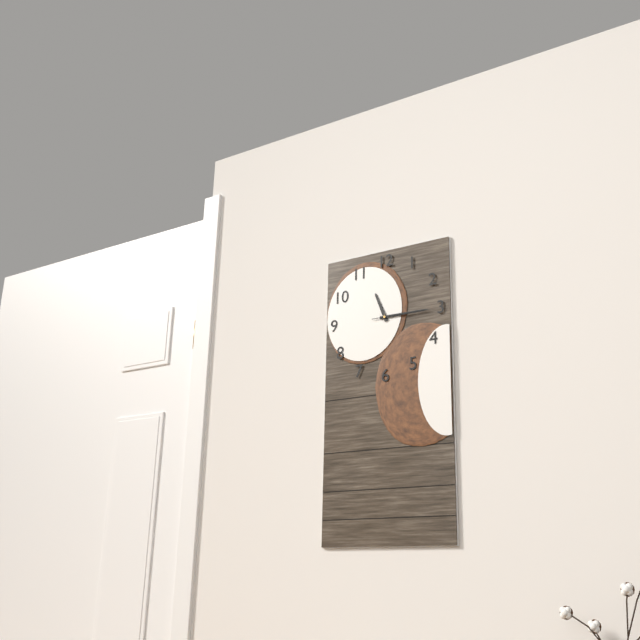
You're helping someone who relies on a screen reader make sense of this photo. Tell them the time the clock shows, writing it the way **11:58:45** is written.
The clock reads **11:15:15**
